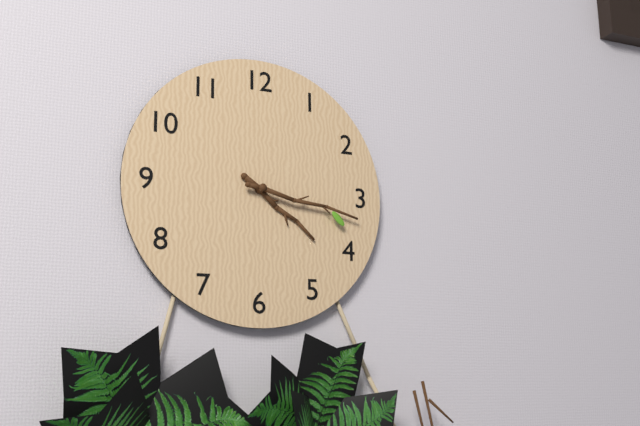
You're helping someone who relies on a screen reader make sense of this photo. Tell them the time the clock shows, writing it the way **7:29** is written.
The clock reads **4:17**
